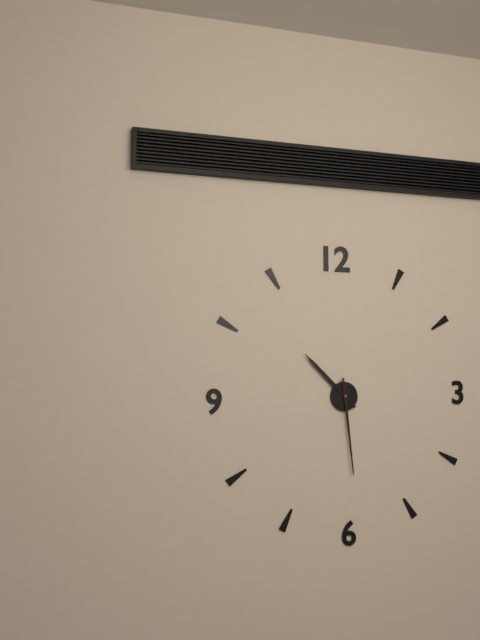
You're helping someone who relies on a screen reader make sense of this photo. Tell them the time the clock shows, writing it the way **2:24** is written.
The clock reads **10:29**
